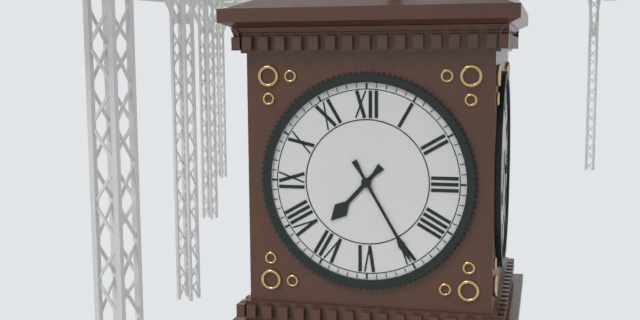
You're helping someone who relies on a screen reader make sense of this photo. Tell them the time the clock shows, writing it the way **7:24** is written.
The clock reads **7:25**
